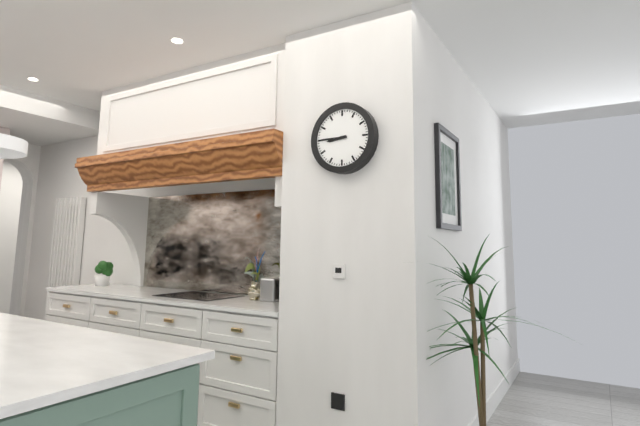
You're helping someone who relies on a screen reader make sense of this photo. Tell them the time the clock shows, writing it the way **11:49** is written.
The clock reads **8:45**
